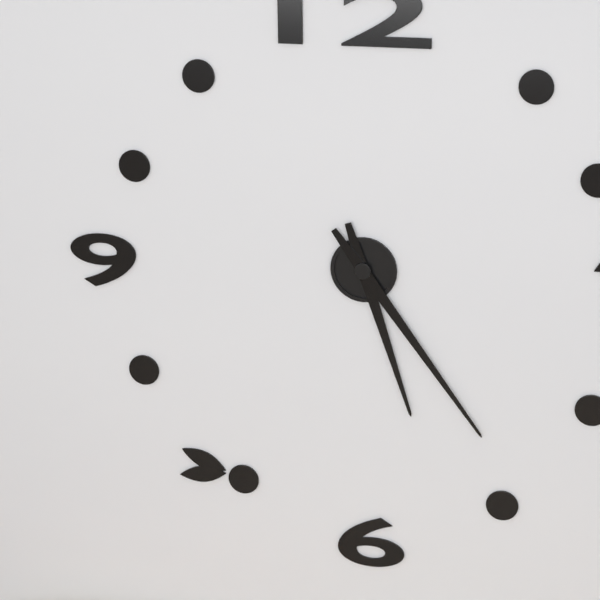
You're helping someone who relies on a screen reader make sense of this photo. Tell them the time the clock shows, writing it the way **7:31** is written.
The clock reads **5:24**
